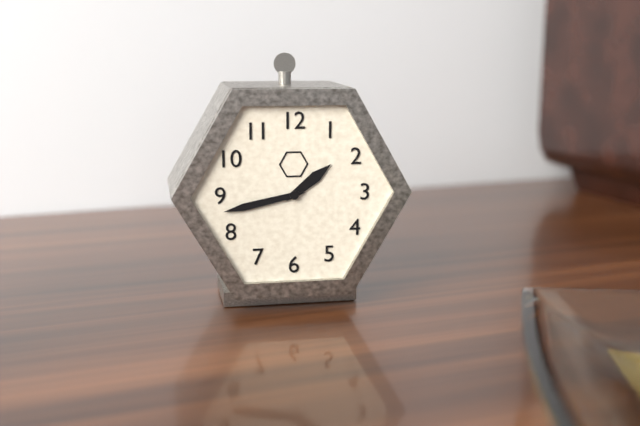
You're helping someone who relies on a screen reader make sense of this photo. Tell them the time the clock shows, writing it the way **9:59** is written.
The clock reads **1:43**
